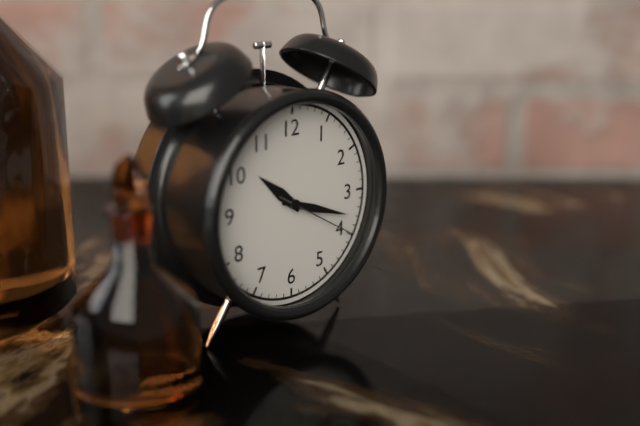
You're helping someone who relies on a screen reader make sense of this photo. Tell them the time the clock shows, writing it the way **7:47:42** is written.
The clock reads **10:18:20**
